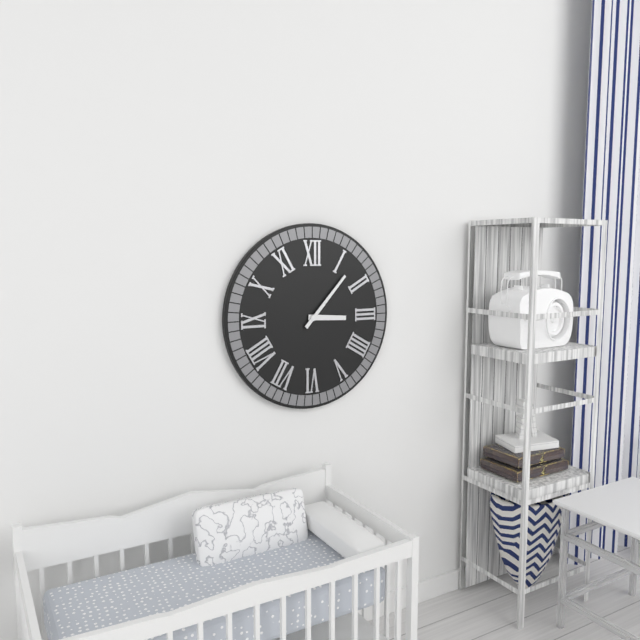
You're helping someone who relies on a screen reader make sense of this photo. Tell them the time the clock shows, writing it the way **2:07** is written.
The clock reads **3:07**
